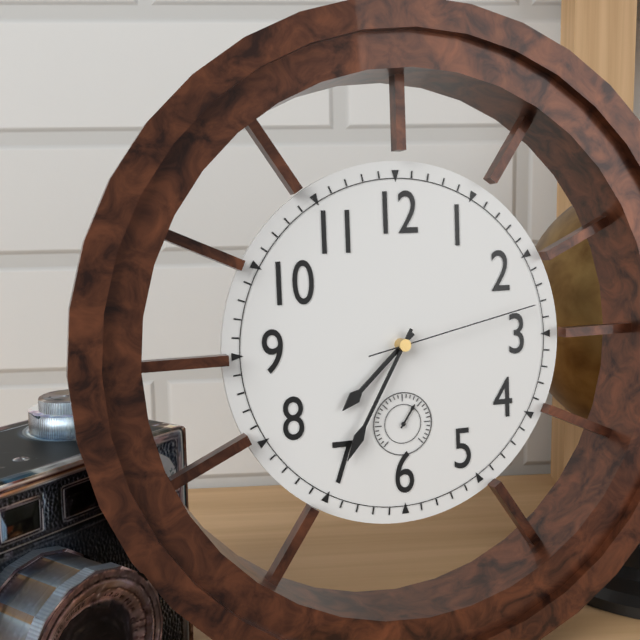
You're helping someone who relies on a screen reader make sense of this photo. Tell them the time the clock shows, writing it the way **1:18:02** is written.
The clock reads **7:35:13**
